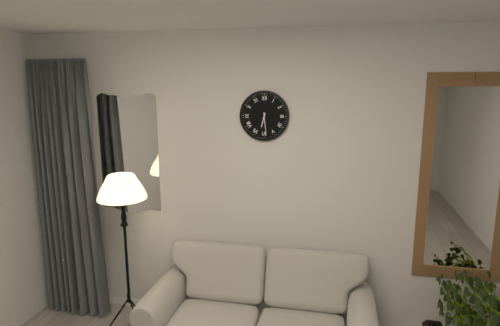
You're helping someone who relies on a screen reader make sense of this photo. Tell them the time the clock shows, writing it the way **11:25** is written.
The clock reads **6:29**
